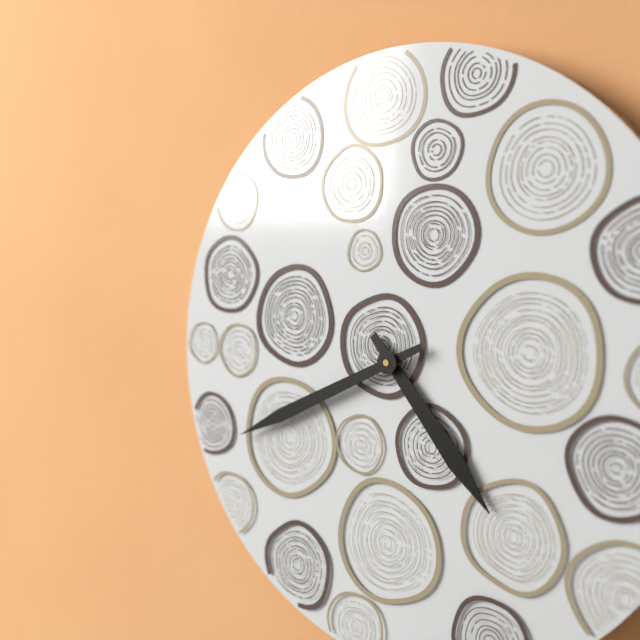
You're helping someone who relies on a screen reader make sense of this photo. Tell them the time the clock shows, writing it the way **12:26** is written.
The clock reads **4:41**
